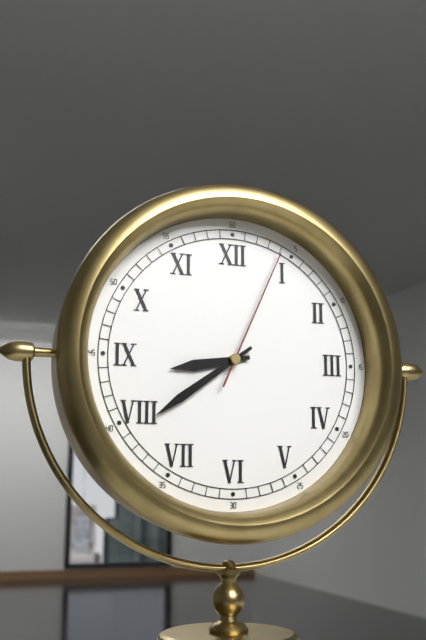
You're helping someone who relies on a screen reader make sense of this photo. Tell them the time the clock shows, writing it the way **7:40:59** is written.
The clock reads **8:39:04**
